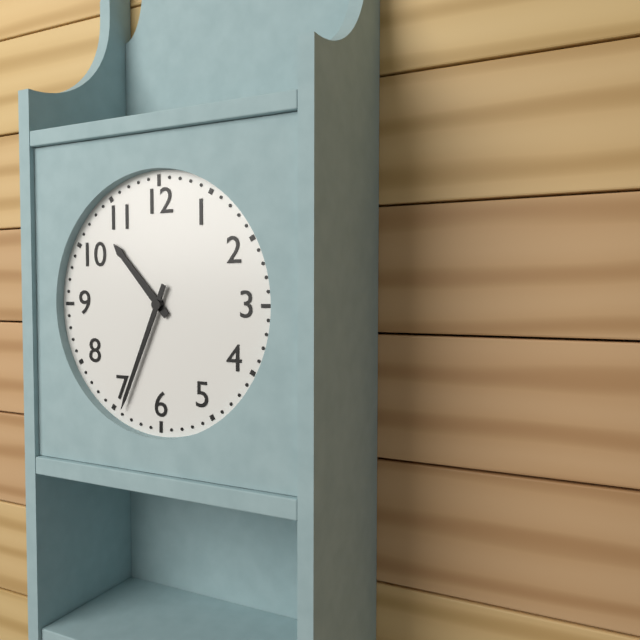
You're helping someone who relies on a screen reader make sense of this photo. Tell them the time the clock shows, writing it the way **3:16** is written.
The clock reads **10:34**
